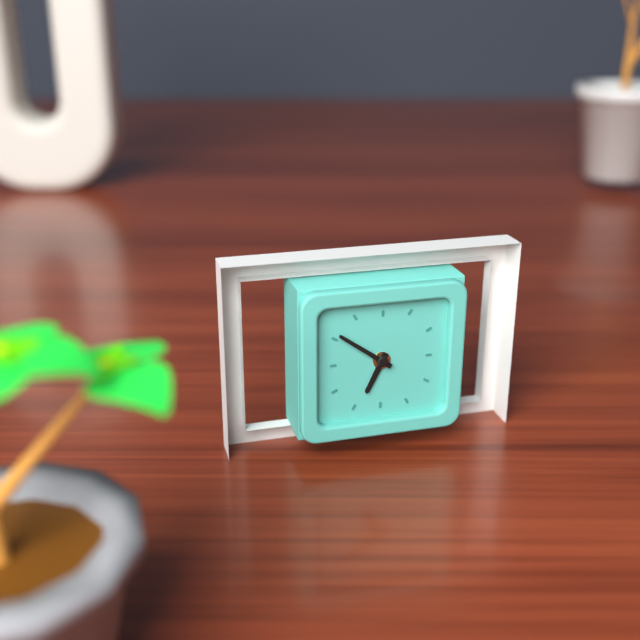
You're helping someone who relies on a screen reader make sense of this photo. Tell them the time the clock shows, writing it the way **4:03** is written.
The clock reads **6:51**
